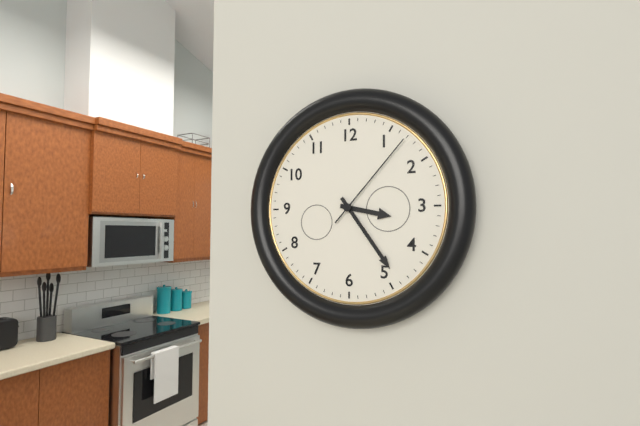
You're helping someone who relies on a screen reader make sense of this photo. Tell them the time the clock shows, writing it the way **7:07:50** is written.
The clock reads **3:24:07**
